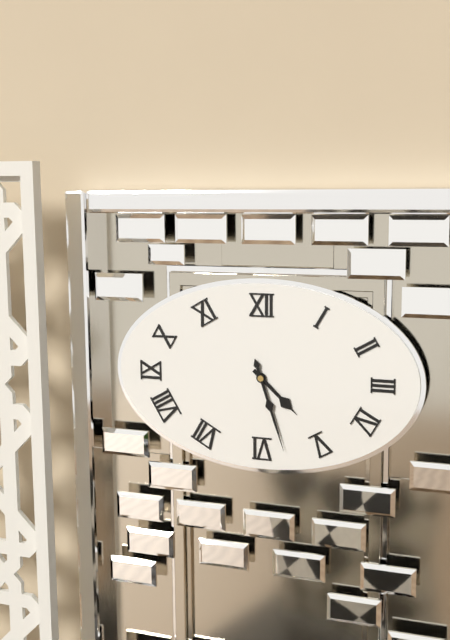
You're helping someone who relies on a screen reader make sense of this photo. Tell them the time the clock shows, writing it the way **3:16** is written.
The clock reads **4:27**
